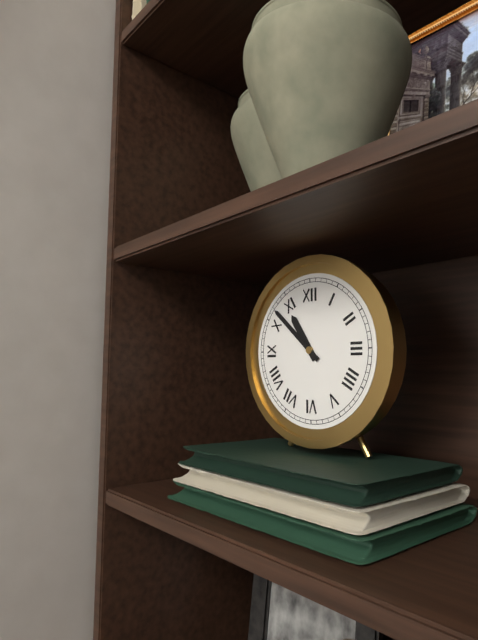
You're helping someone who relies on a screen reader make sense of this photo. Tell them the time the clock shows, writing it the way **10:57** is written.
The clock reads **10:52**
